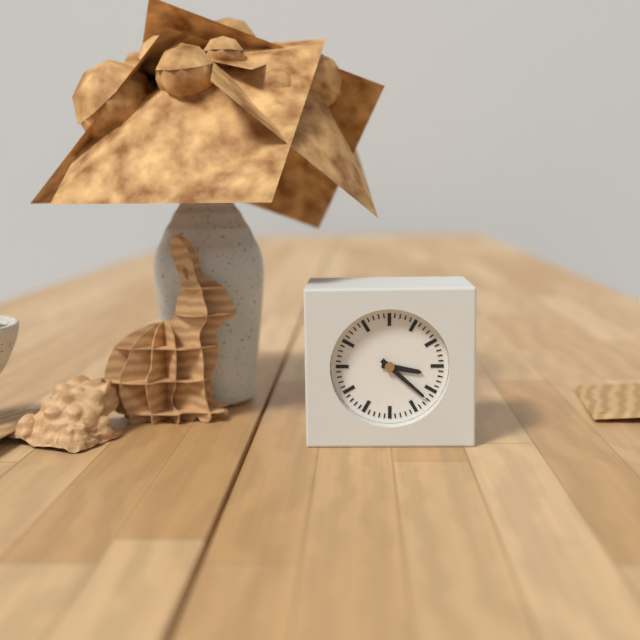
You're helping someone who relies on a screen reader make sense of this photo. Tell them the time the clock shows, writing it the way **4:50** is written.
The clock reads **3:22**
